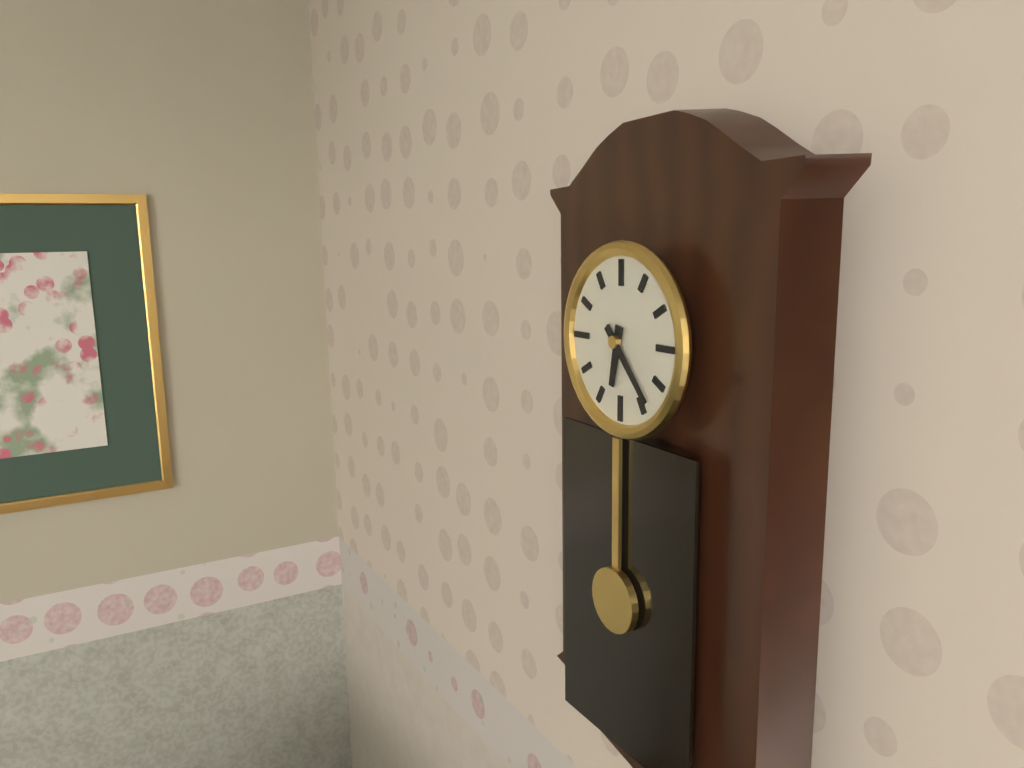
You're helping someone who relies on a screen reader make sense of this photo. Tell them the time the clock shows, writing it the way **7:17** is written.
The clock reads **6:23**
